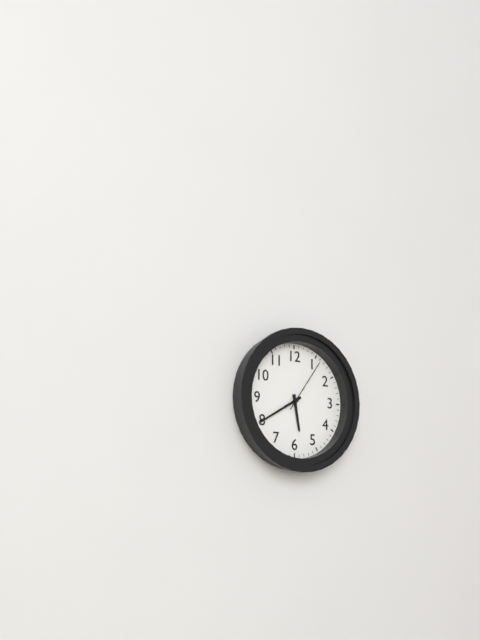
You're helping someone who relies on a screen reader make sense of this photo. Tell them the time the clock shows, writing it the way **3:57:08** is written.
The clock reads **5:40:06**
